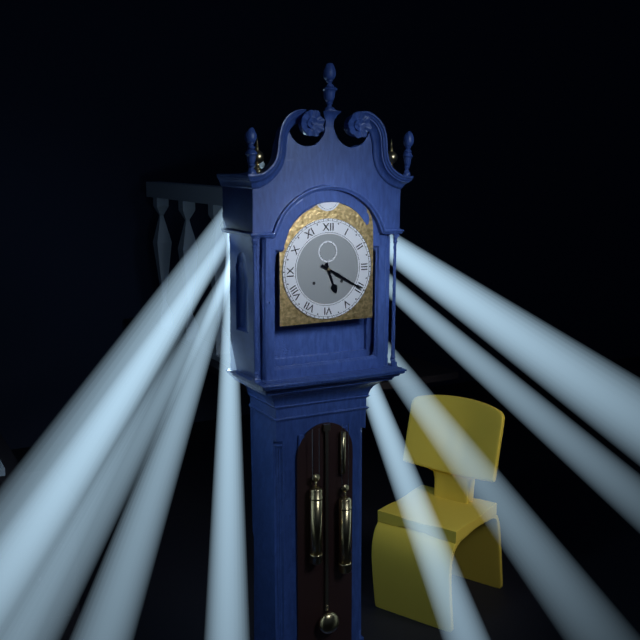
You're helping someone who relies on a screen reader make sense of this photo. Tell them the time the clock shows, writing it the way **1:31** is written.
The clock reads **5:20**
